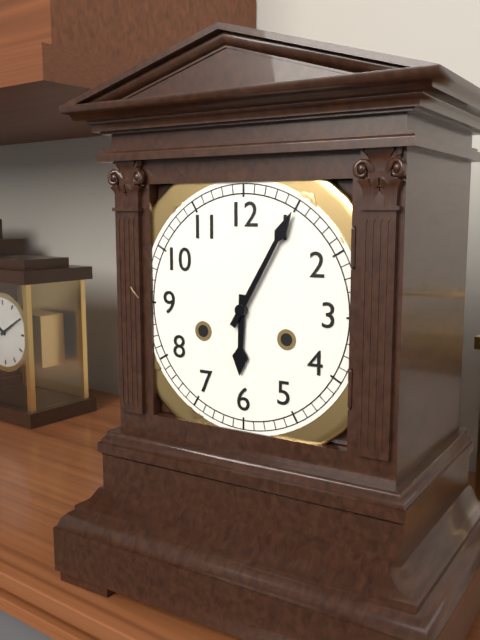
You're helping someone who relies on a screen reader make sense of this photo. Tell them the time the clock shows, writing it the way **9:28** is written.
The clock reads **6:05**
